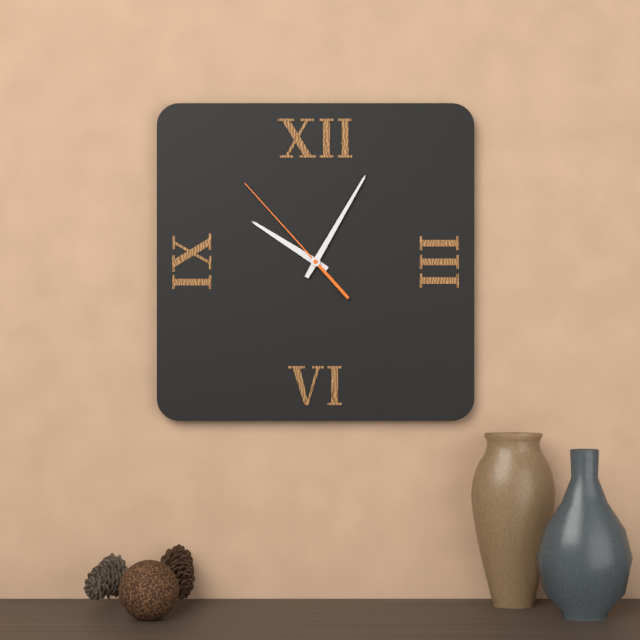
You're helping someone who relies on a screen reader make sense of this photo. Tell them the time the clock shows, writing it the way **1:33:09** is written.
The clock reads **10:05:53**
